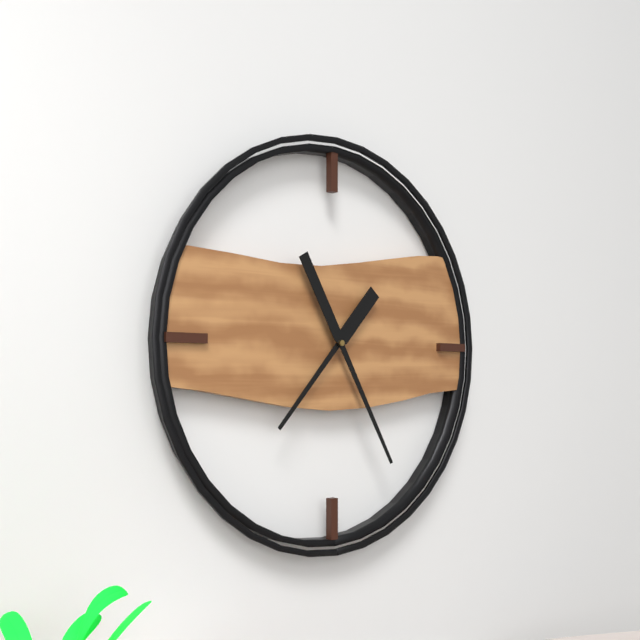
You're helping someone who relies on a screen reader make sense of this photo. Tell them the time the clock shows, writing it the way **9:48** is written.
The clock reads **7:25**
